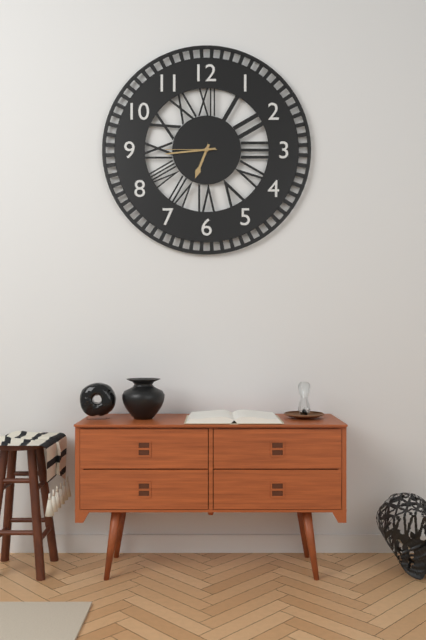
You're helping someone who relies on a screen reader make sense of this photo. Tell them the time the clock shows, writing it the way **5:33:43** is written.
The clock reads **6:44:45**
